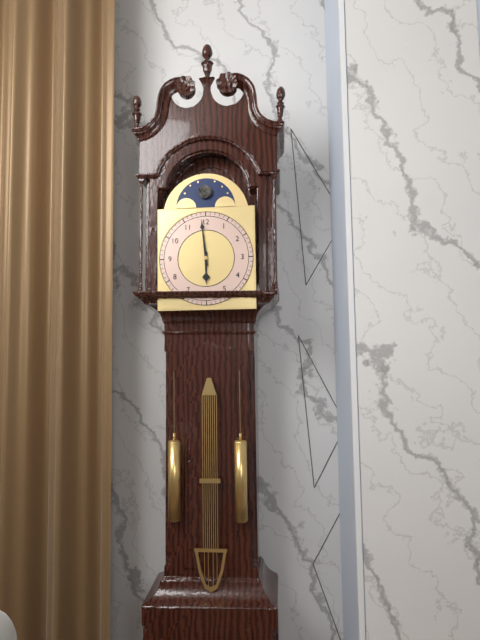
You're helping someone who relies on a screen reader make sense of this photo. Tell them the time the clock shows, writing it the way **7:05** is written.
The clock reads **5:59**
